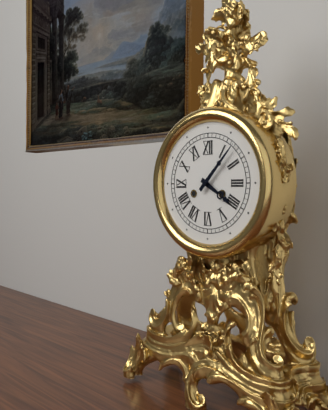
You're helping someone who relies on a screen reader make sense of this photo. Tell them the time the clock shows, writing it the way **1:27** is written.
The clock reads **4:07**
